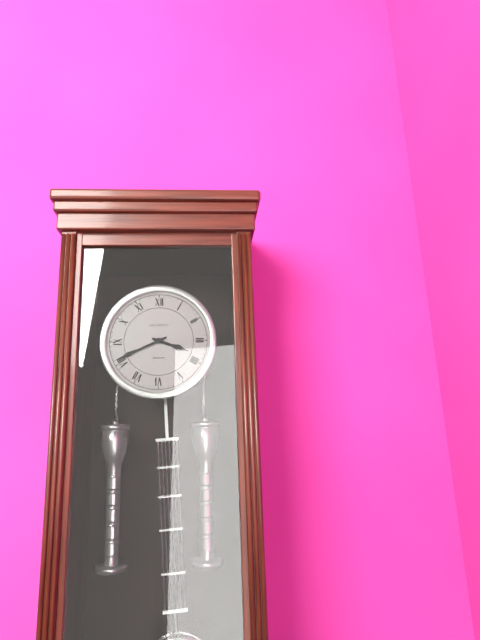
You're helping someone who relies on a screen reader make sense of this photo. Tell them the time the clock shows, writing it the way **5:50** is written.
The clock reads **3:41**
